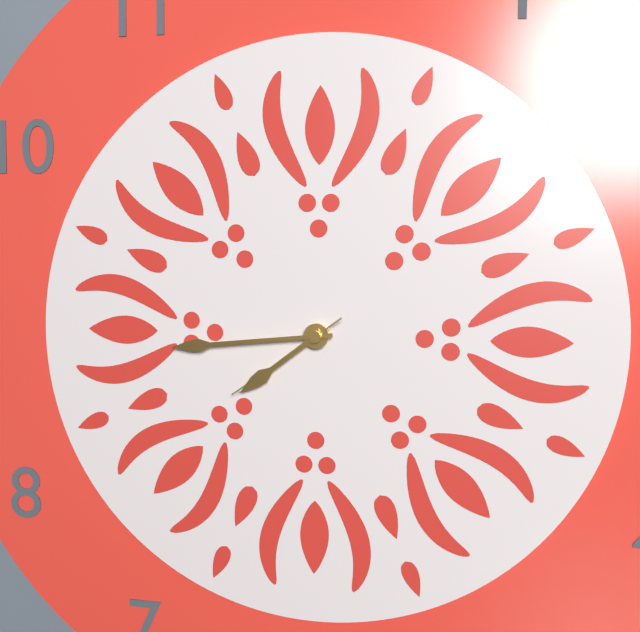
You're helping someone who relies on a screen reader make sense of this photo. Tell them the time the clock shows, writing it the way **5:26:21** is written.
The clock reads **7:44:39**
